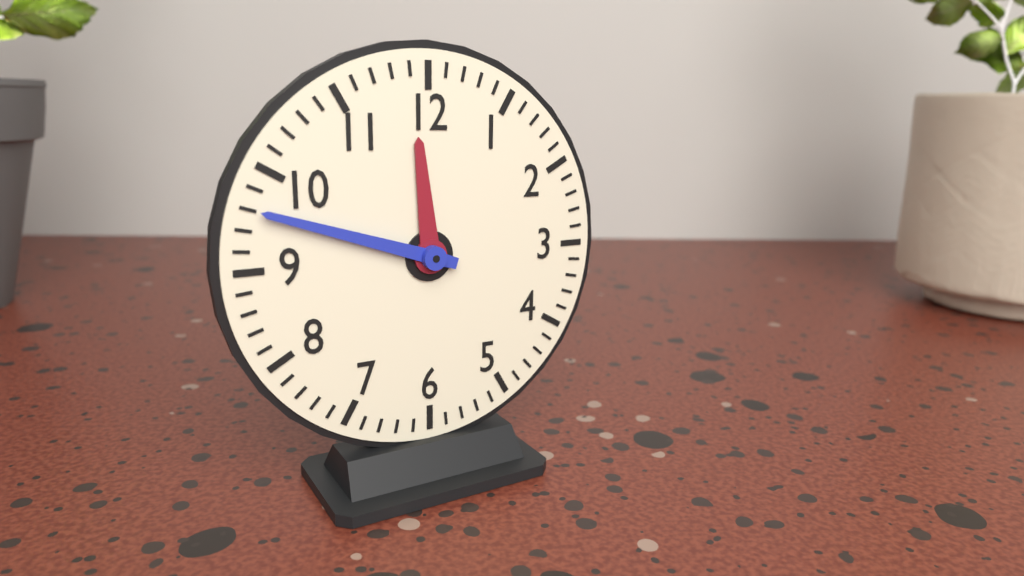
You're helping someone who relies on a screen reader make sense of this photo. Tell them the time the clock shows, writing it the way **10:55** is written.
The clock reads **11:48**
